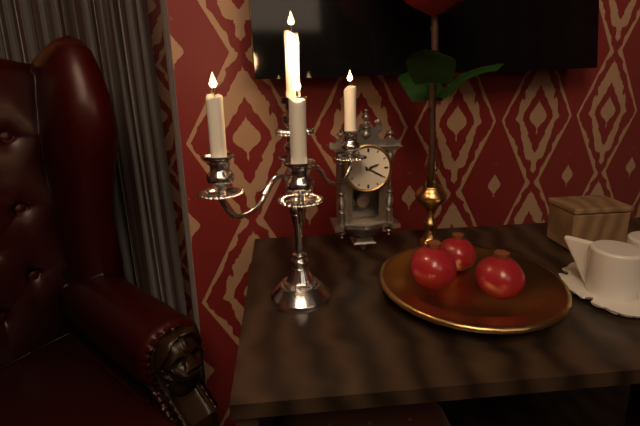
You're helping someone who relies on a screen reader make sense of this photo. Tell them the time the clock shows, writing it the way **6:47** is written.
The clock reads **2:20**
